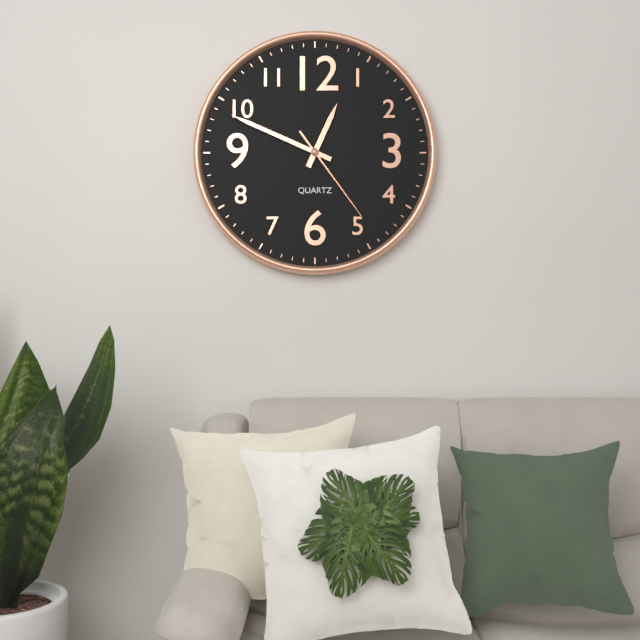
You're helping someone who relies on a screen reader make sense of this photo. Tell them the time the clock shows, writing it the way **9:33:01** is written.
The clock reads **12:49:24**
